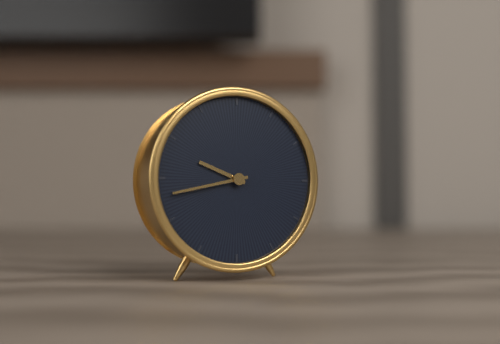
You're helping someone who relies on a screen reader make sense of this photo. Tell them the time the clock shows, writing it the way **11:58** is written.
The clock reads **9:43**
